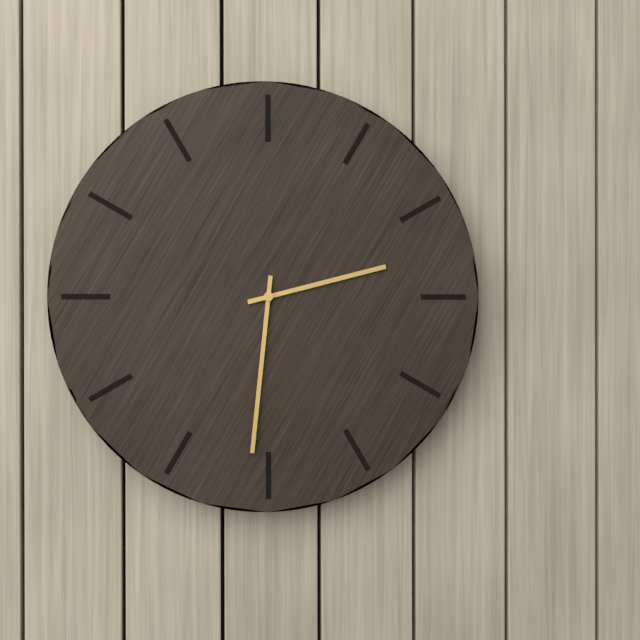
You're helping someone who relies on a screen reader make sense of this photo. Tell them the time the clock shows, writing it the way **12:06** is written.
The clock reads **2:31**
